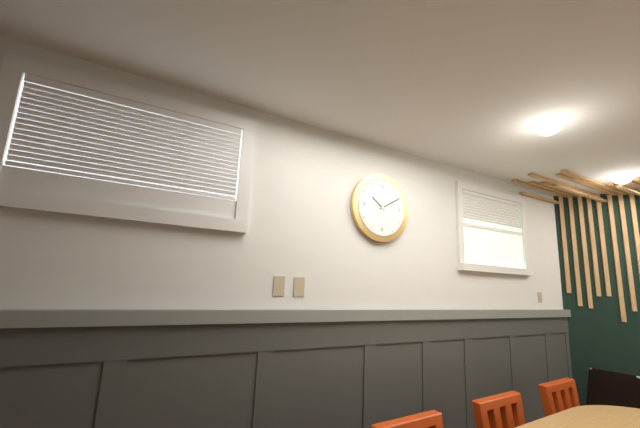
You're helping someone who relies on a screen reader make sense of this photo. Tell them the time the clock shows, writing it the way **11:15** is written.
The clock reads **10:10**
